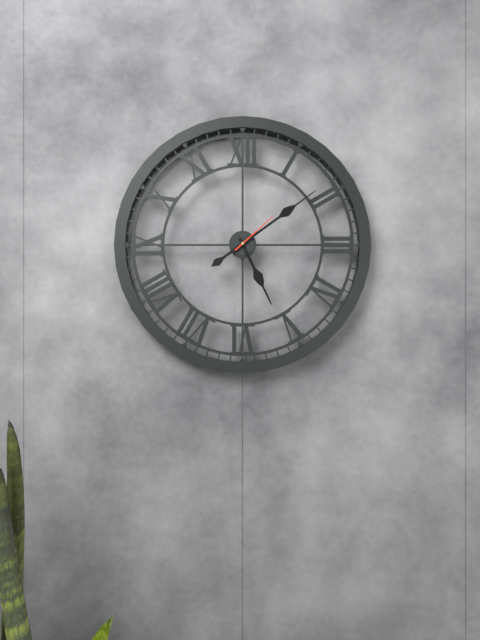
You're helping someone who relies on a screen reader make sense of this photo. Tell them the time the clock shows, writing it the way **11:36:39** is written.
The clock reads **5:09:08**
